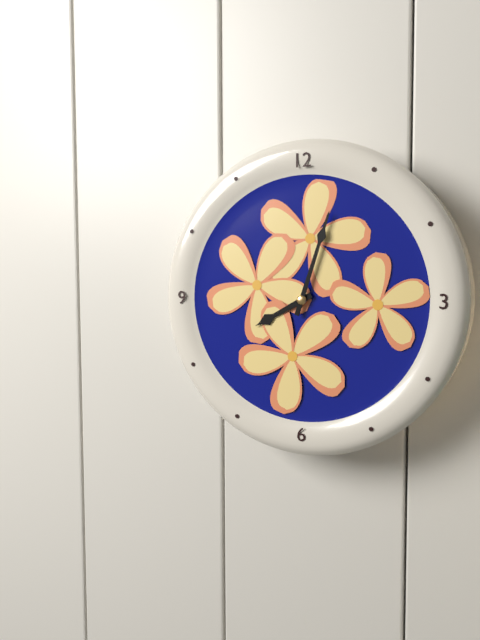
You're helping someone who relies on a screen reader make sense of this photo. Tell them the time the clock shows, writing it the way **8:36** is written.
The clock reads **8:03**
